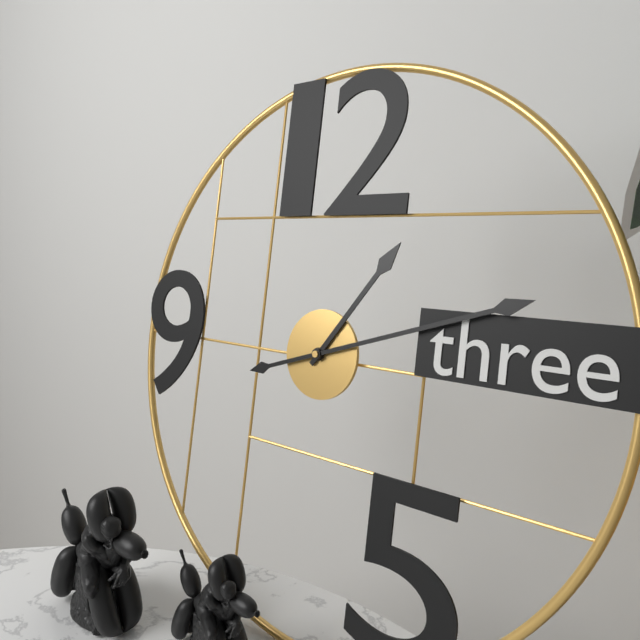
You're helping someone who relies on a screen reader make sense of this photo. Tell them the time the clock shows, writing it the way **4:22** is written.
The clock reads **1:12**
